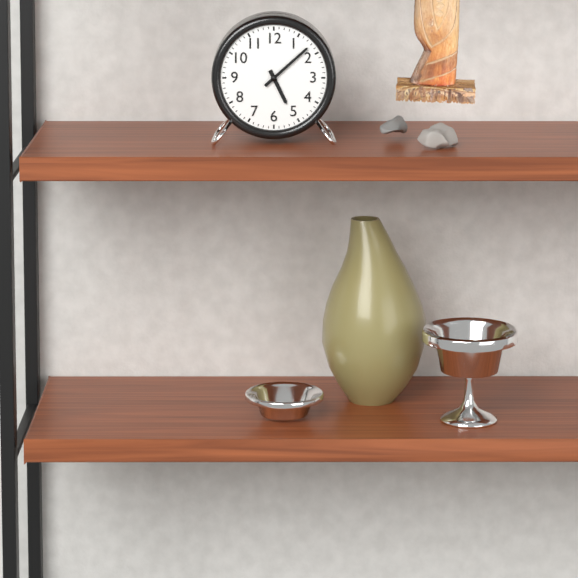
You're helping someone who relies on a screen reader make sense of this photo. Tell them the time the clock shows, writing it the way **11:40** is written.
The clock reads **5:08**
